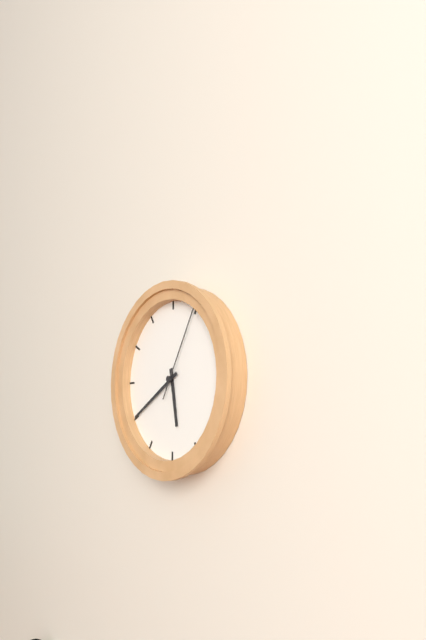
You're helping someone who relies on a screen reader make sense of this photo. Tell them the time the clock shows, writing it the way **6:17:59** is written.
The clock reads **5:40:05**
